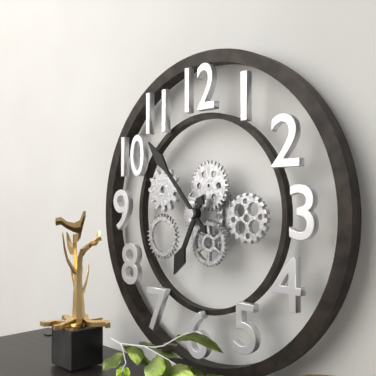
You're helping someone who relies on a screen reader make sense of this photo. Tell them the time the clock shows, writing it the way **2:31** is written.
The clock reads **6:53**
